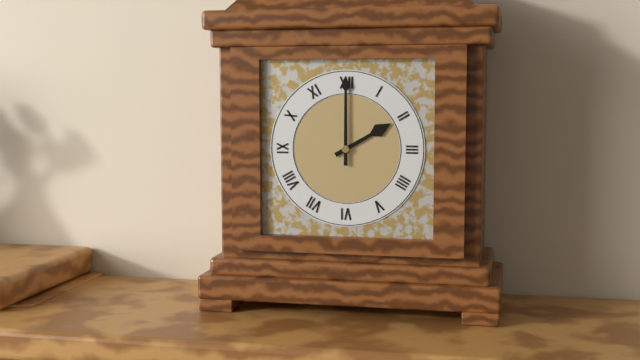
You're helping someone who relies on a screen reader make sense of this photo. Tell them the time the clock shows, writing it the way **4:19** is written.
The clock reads **2:00**
